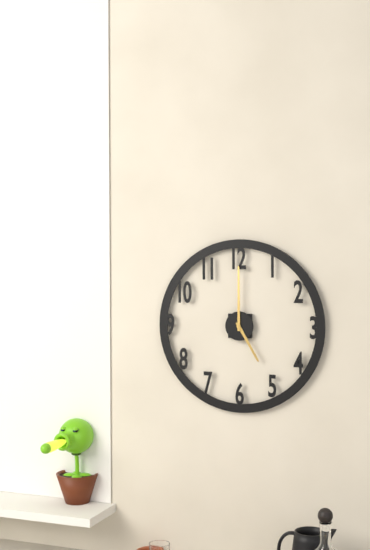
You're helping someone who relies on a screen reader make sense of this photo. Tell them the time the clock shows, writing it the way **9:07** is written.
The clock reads **5:00**
